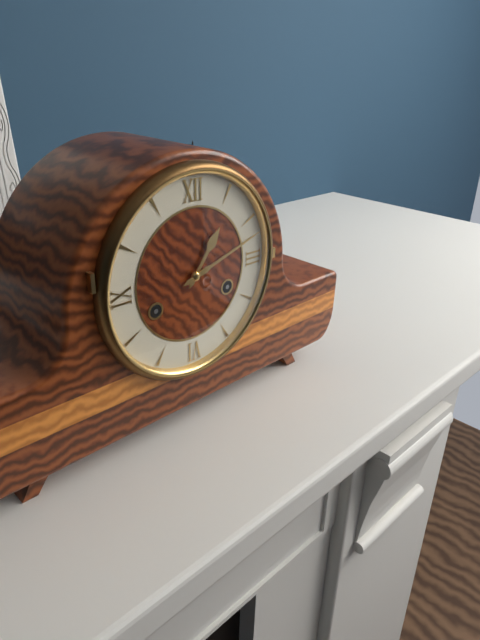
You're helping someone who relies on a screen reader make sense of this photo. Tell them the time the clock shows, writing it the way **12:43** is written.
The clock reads **1:12**
